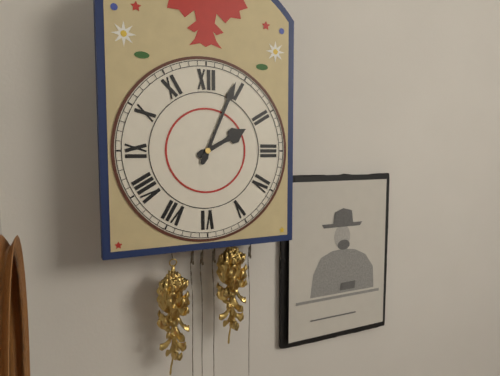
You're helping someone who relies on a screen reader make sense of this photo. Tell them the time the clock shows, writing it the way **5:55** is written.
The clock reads **2:04**
